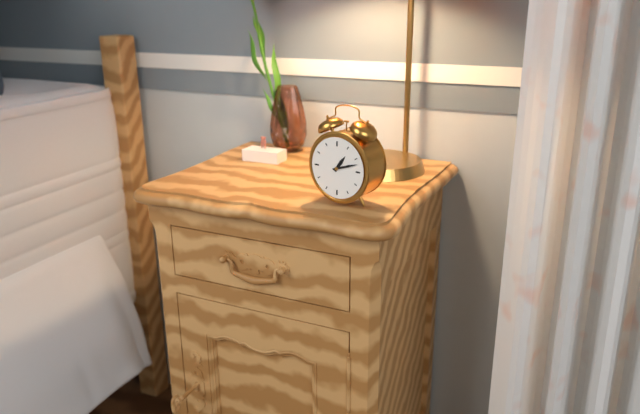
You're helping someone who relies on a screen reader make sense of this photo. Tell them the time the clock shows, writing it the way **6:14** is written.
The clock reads **1:12**
